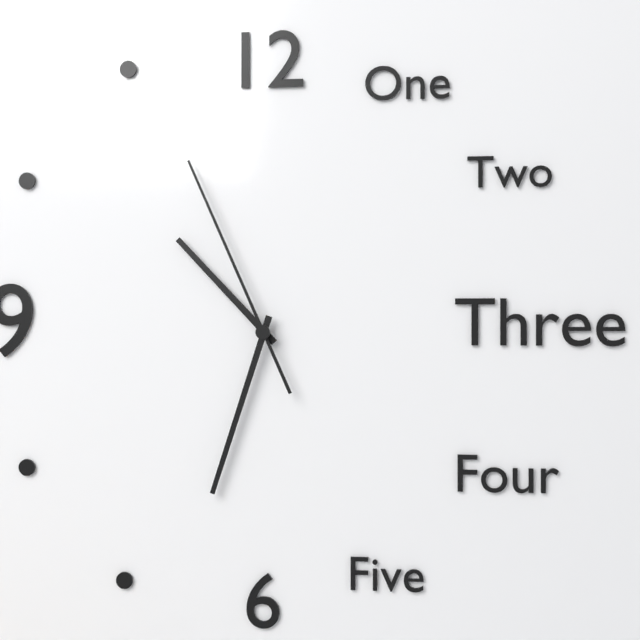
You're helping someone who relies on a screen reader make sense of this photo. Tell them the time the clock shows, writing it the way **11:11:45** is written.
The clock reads **10:33:56**
